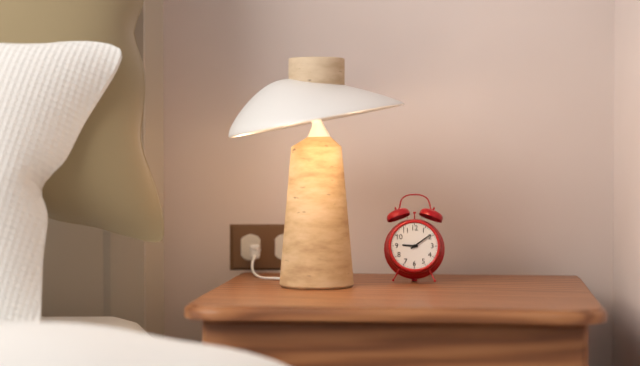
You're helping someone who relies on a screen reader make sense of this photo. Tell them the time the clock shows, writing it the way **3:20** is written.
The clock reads **9:09**
